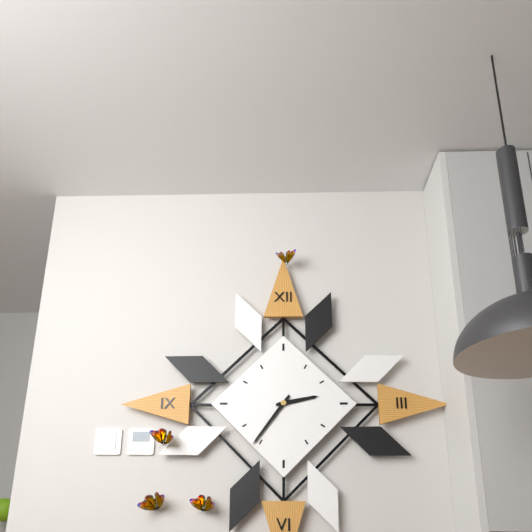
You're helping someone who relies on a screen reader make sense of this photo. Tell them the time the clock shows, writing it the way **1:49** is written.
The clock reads **2:36**
